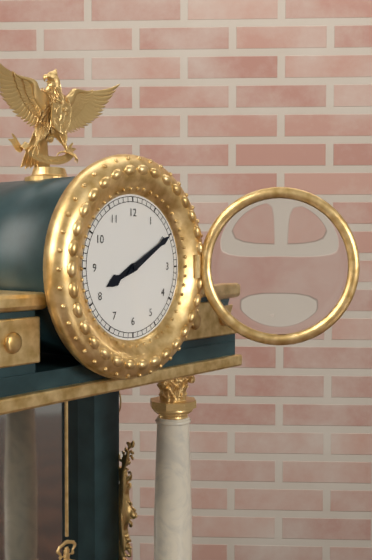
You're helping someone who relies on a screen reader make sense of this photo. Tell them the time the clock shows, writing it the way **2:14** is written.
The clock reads **8:10**
